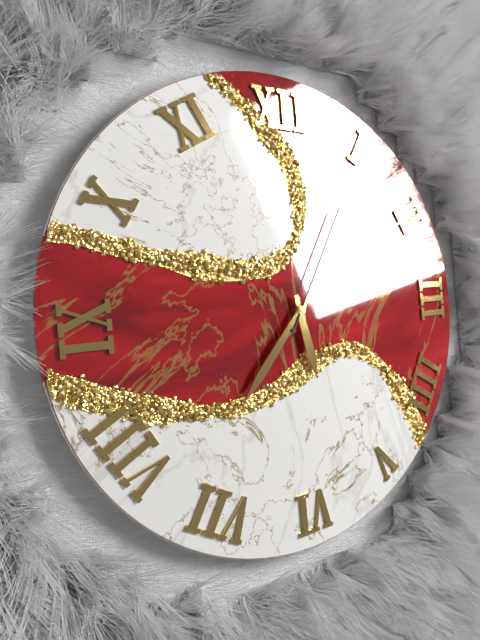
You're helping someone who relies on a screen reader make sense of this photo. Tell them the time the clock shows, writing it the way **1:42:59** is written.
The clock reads **5:37:05**
